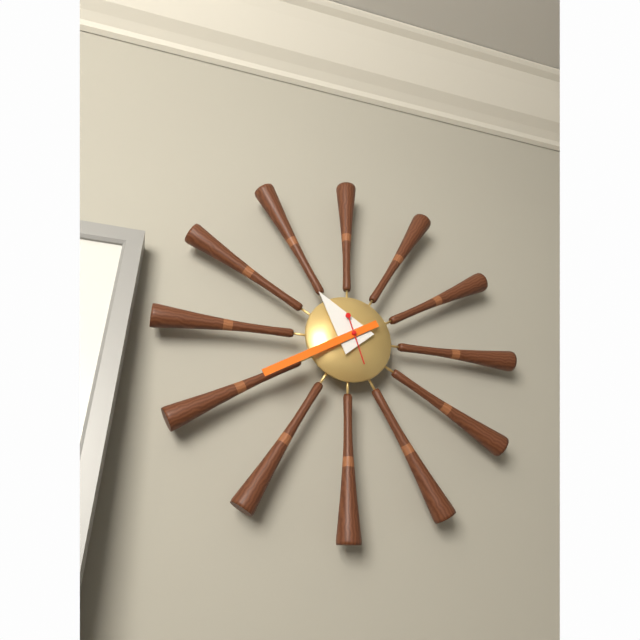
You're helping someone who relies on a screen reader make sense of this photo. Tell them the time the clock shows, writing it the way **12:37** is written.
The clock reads **10:40**
